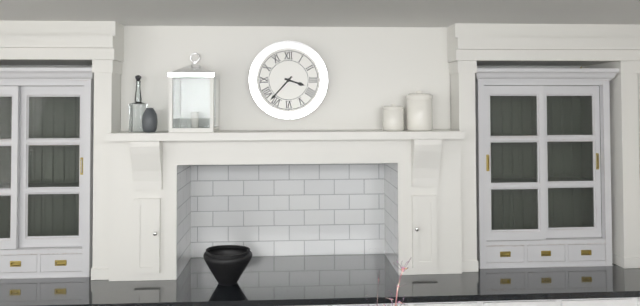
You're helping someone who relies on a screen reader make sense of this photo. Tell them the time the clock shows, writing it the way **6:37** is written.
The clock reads **3:37**
